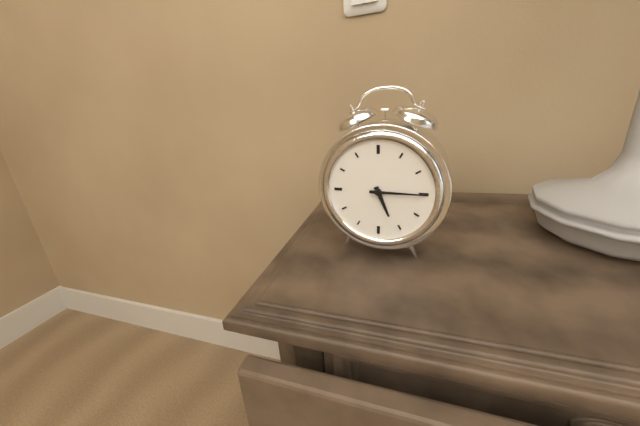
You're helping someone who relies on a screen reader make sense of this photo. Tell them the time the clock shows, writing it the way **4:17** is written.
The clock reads **5:15**
